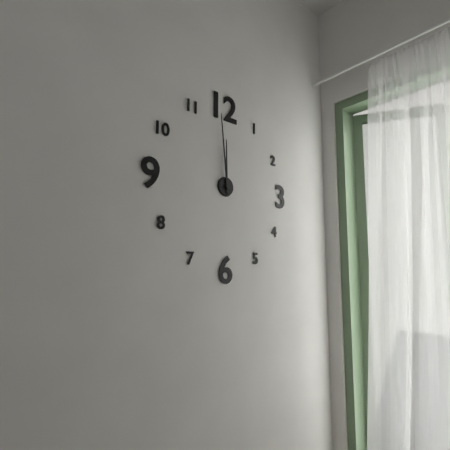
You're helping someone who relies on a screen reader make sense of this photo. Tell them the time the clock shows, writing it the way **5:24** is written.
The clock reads **11:59**
